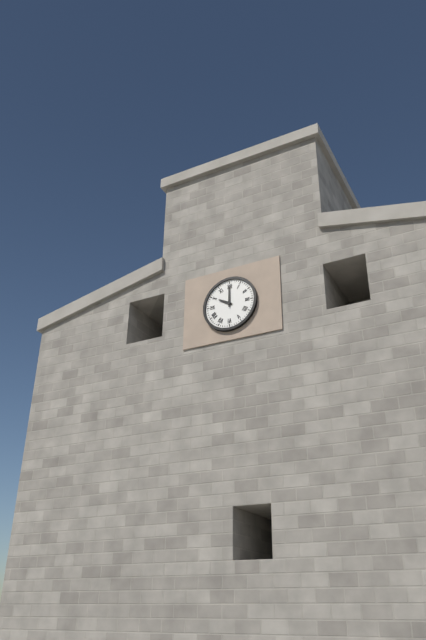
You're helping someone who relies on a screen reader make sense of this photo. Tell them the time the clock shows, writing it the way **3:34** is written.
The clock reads **10:00**
